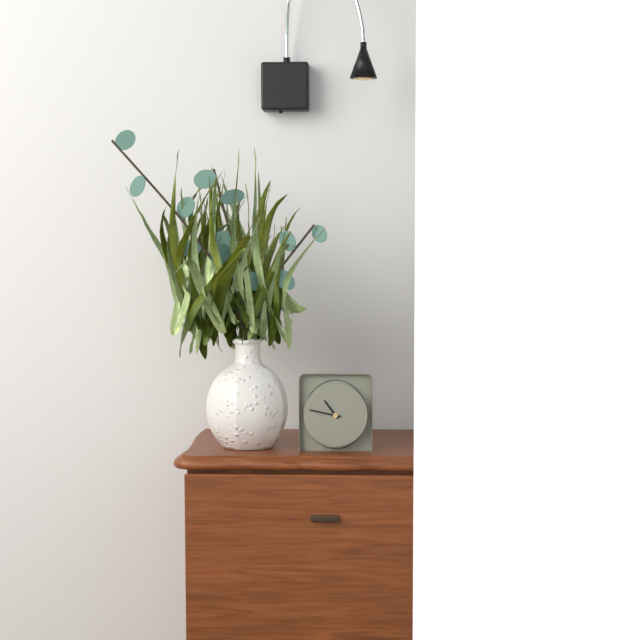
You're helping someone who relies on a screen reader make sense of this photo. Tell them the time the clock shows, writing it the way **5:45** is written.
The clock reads **10:47**
